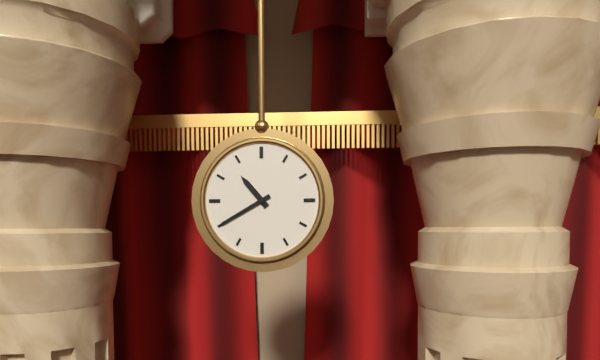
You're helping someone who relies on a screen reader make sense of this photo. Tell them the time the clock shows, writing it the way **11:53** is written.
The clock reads **10:40**
